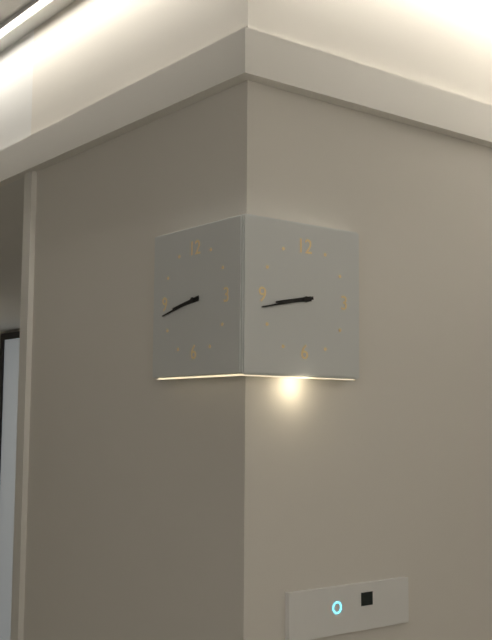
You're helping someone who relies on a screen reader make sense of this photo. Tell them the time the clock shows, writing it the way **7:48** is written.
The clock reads **8:43**
